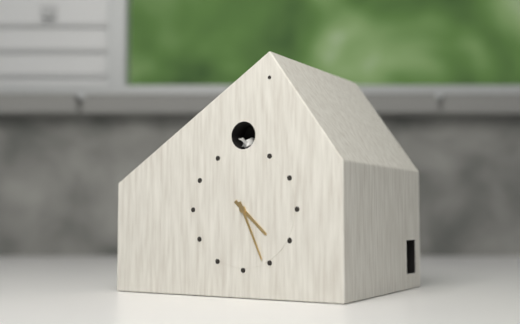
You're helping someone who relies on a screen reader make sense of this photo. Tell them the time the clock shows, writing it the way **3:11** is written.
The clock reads **4:26**
